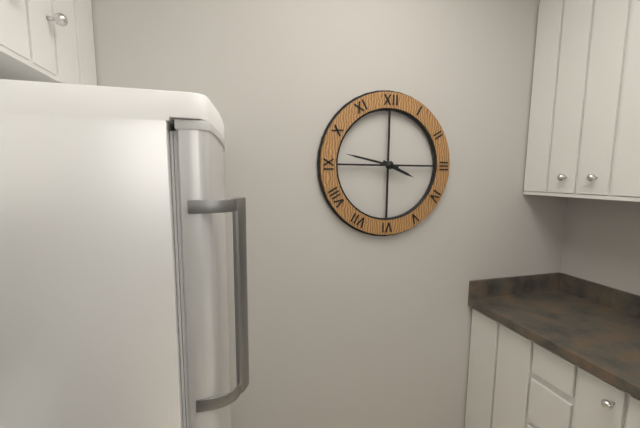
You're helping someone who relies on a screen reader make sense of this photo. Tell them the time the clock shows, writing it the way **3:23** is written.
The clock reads **3:47**
